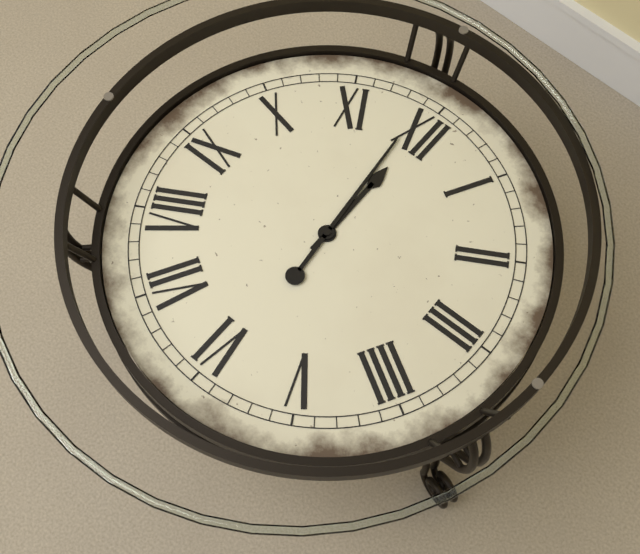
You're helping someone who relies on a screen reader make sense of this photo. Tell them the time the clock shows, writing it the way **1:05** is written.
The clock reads **11:59**
